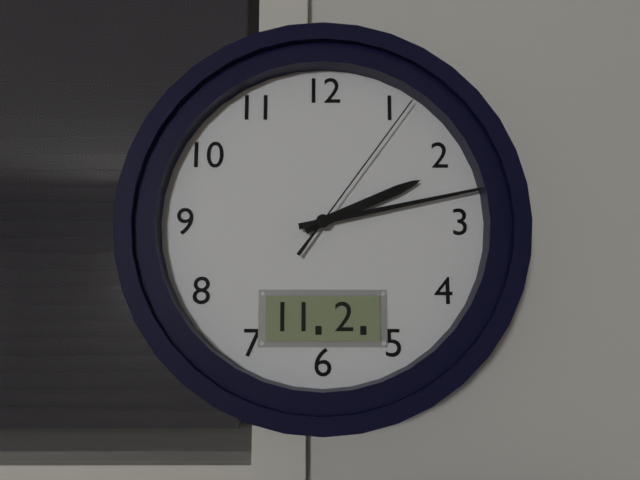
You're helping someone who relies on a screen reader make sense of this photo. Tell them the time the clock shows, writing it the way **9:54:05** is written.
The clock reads **2:13:06**
